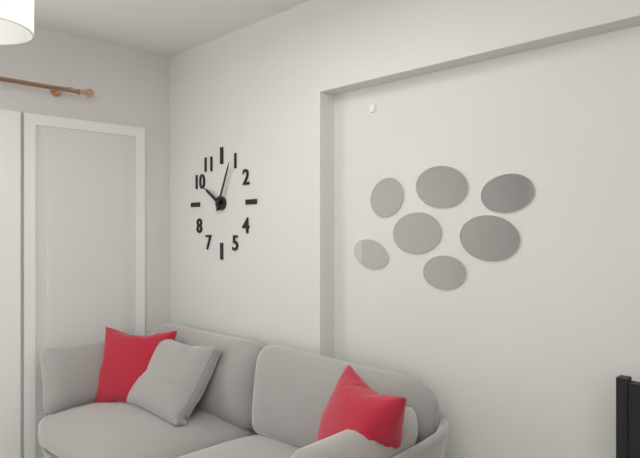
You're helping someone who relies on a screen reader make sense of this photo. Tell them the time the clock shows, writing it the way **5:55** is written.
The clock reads **10:04**
